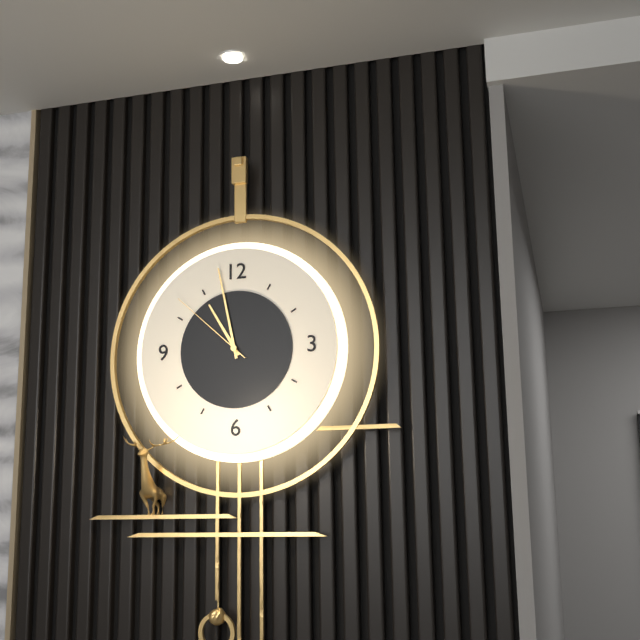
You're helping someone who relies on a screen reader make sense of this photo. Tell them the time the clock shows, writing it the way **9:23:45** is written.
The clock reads **10:58:52**
